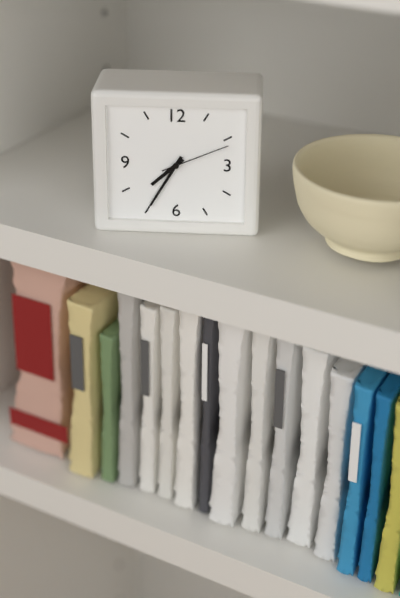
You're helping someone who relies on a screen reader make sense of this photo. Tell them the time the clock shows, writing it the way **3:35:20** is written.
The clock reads **7:35:11**
